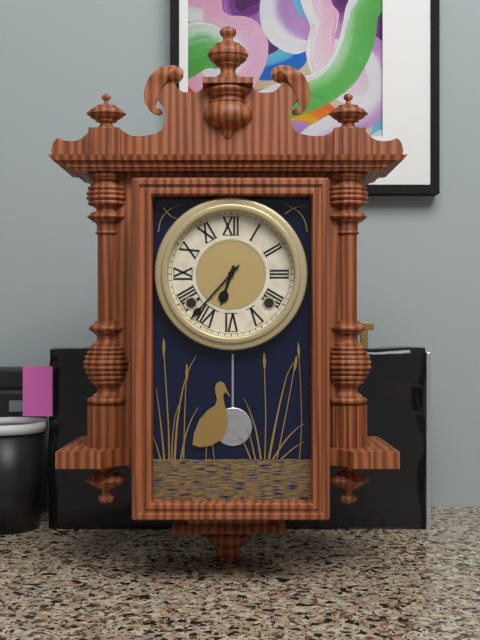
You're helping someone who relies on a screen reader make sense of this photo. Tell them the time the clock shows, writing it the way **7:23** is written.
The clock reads **6:37**
